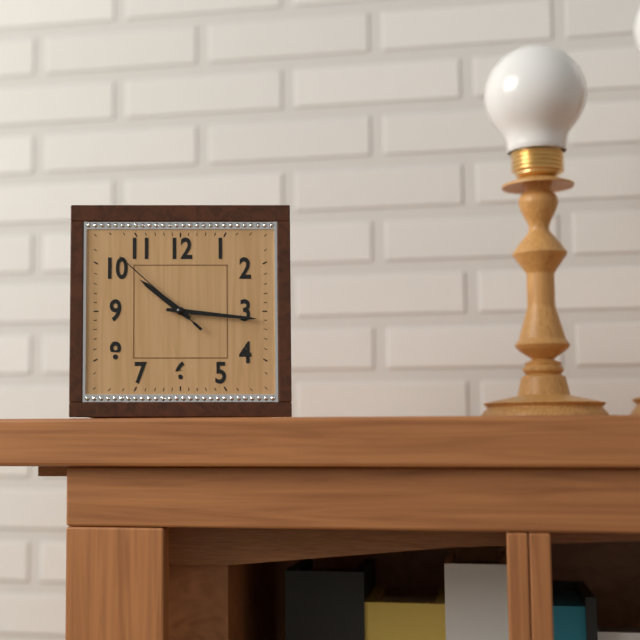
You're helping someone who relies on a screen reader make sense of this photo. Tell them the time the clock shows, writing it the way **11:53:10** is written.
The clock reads **10:16:52**
